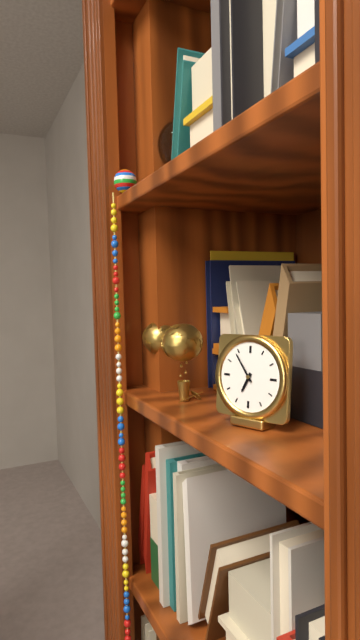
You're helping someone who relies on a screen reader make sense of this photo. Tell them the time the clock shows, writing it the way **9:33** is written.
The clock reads **6:54**
